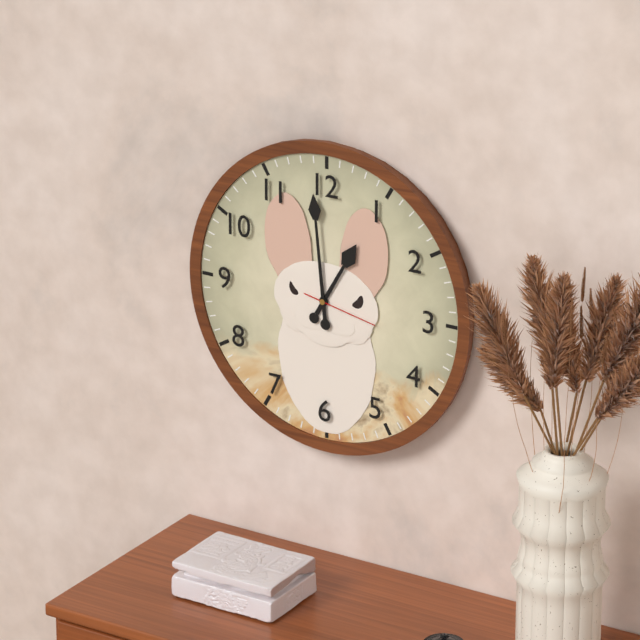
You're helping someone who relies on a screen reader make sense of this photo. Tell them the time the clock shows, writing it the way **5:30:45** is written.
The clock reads **12:59:17**
